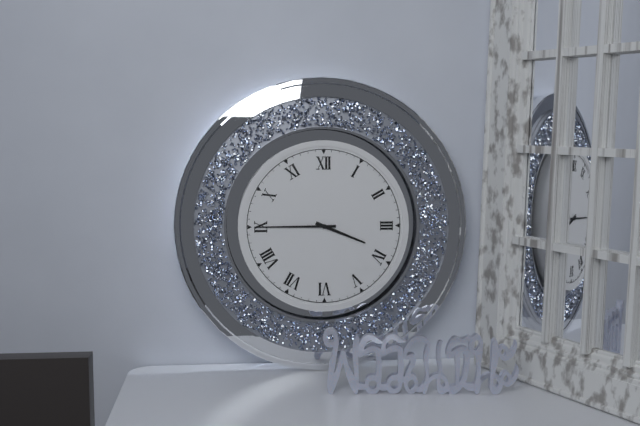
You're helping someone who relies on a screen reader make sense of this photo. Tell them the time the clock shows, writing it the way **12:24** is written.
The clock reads **3:45**
